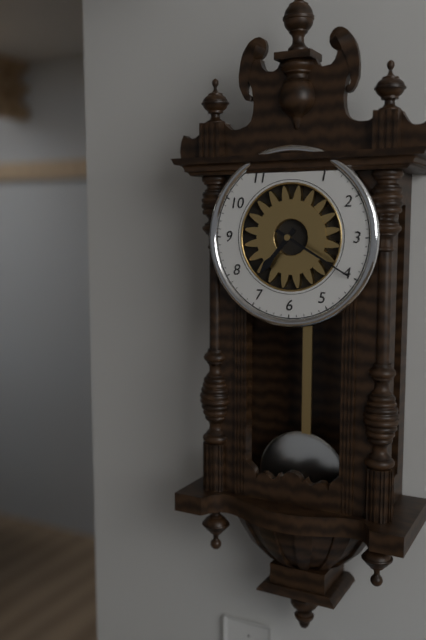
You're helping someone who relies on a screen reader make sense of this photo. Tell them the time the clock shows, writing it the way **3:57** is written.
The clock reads **7:20**
